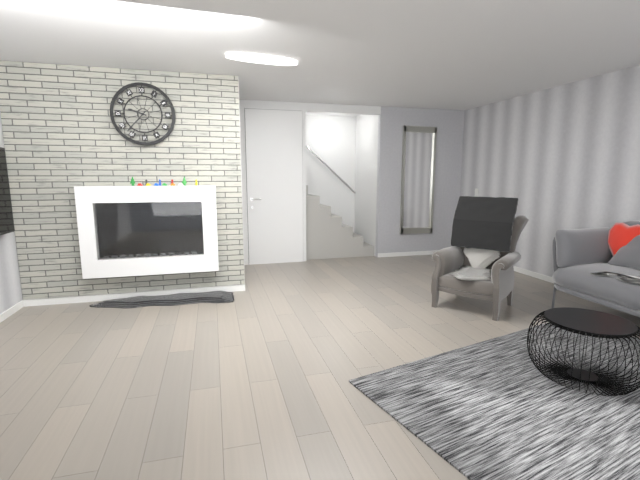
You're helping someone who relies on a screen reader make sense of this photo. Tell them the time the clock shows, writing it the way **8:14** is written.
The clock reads **9:37**
